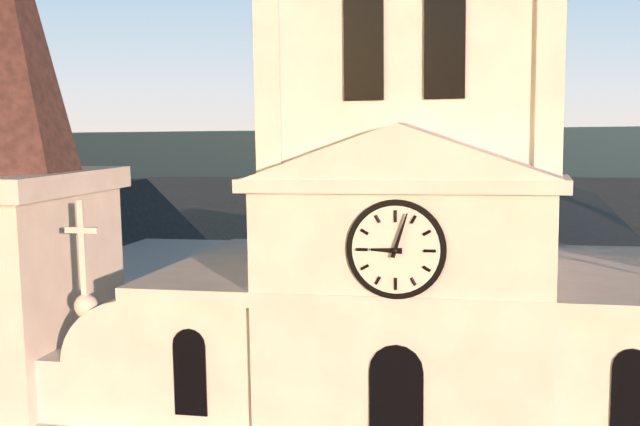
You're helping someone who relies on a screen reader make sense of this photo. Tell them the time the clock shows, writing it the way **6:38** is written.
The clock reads **9:03**
